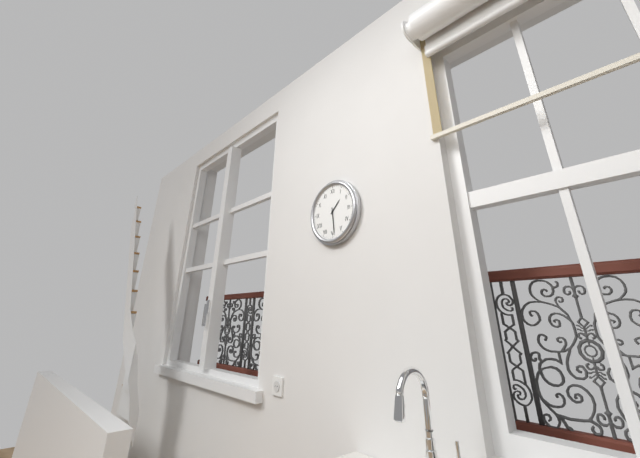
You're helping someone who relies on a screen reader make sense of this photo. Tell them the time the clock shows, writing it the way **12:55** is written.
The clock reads **1:29**
